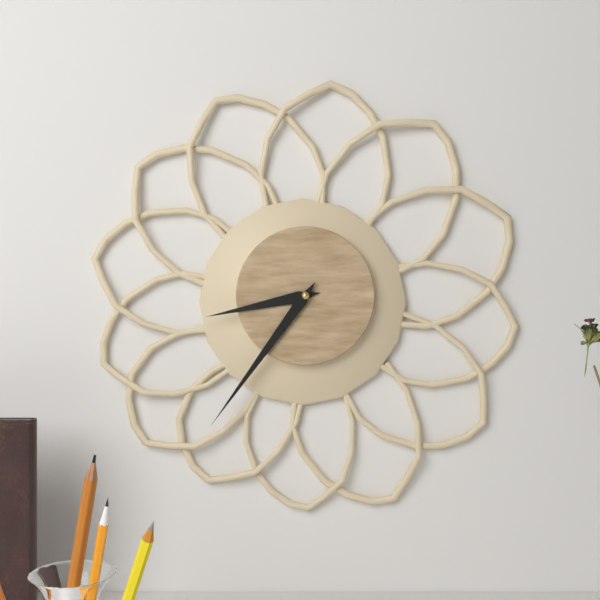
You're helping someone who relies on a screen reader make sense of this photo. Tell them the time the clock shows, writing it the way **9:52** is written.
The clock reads **8:36**
